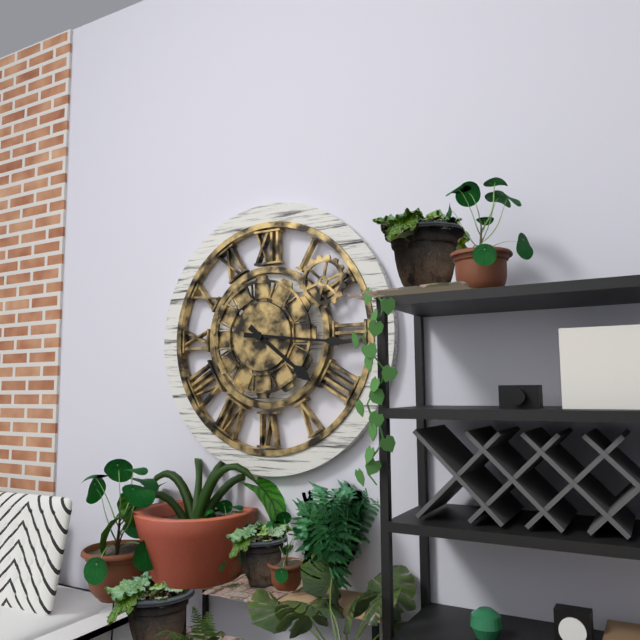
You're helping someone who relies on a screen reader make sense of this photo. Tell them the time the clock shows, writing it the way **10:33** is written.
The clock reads **4:16**
